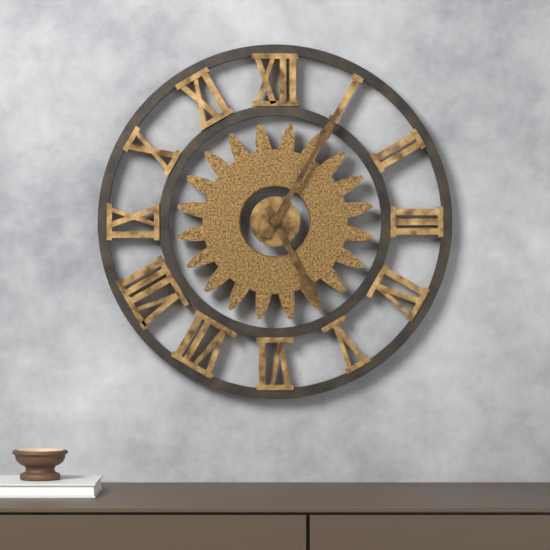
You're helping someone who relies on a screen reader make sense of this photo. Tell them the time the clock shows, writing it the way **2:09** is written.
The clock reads **5:05**
